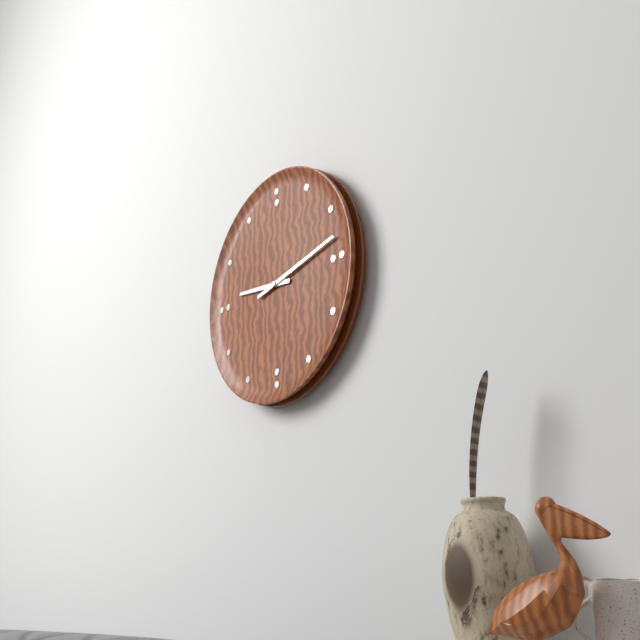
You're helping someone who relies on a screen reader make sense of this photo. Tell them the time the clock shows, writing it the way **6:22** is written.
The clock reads **9:13**
